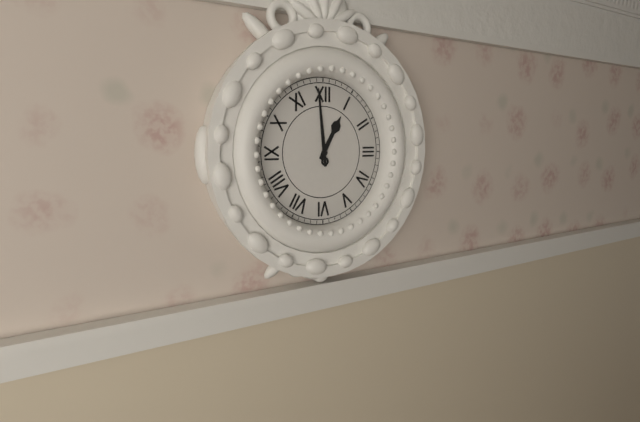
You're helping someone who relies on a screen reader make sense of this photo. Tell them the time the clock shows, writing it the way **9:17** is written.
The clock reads **12:59**
